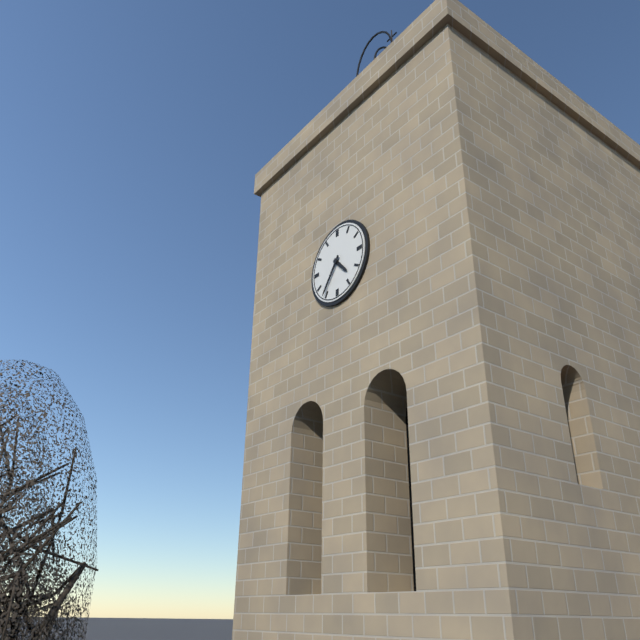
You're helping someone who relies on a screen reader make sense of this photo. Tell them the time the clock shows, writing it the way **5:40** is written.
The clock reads **4:36**
